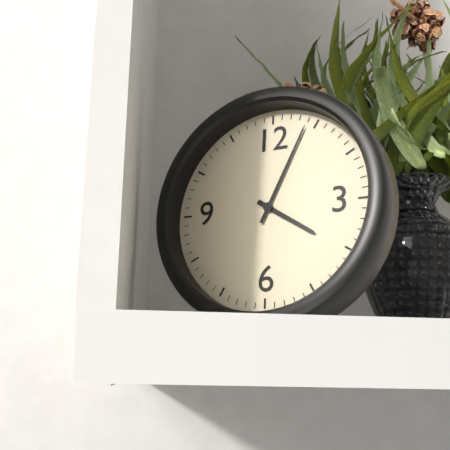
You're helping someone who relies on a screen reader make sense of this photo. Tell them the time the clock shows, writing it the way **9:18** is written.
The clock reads **4:04**
